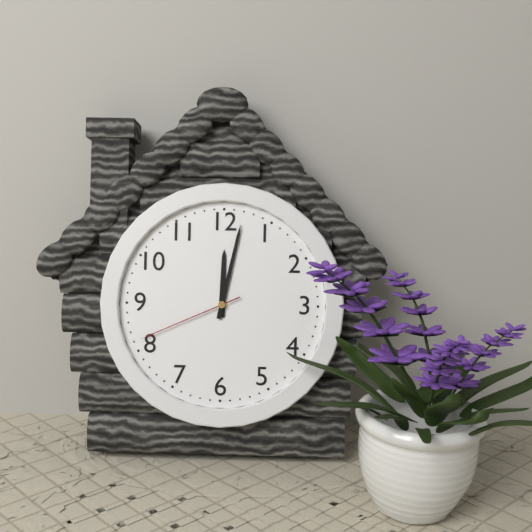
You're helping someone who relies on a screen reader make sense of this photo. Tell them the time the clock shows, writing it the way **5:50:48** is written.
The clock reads **12:02:41**
